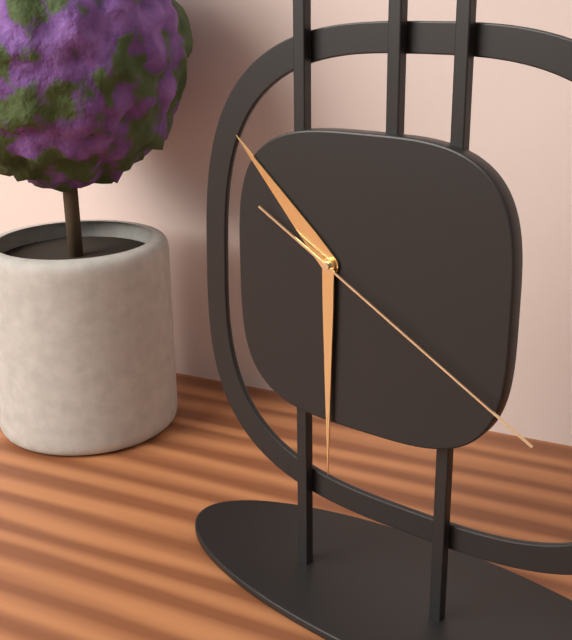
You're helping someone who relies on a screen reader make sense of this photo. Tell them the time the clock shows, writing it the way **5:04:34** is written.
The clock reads **10:30:20**
